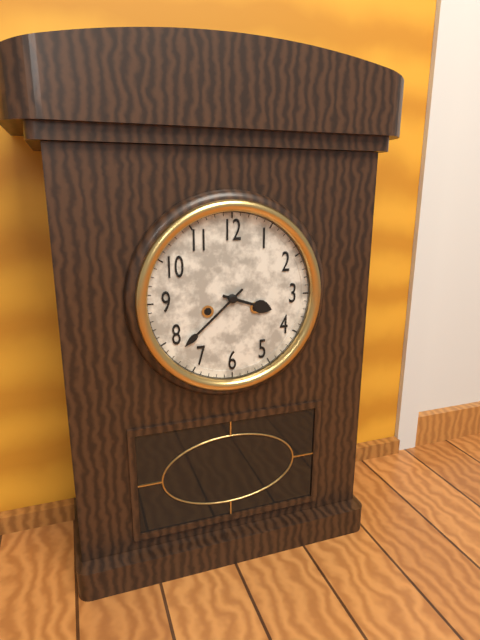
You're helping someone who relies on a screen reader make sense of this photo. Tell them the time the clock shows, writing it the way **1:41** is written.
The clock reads **3:38**
